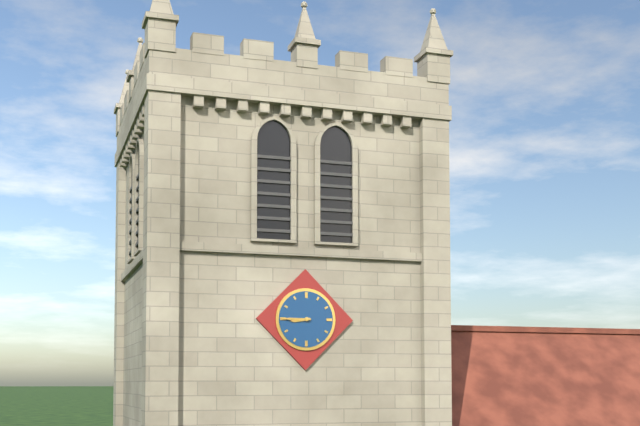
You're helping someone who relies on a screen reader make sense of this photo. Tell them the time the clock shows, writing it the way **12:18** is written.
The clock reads **8:45**
